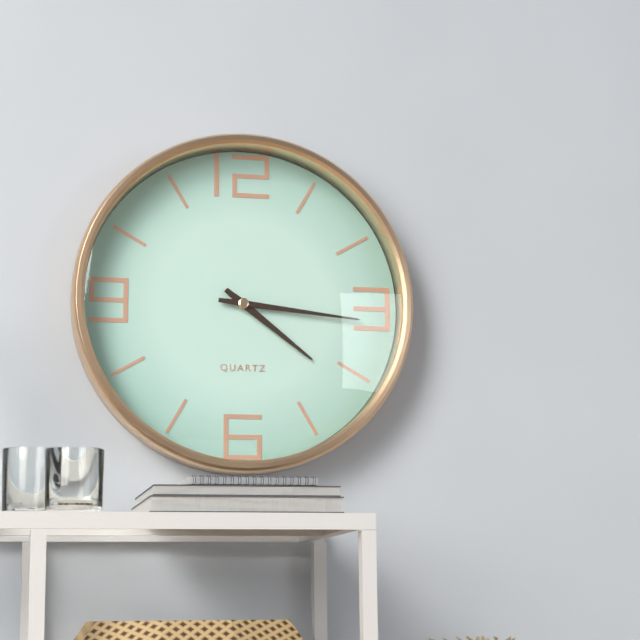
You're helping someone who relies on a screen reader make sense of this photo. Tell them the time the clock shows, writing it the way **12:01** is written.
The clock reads **4:16**
